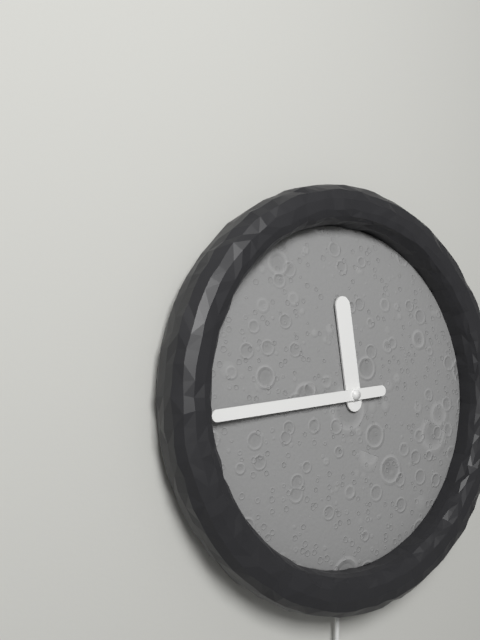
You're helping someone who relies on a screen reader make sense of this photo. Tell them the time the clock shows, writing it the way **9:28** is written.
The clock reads **11:44**
